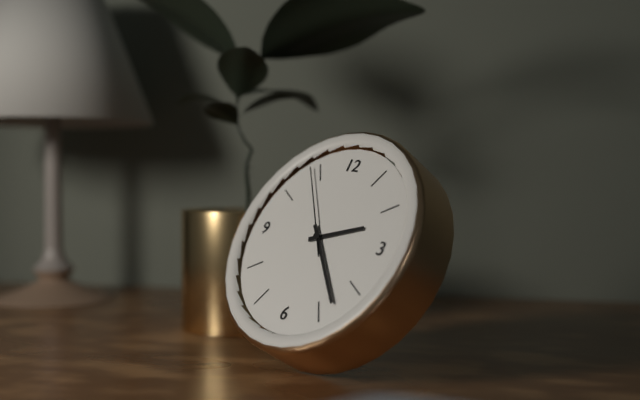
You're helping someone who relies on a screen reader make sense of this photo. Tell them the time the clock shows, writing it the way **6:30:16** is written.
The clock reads **2:23:54**
